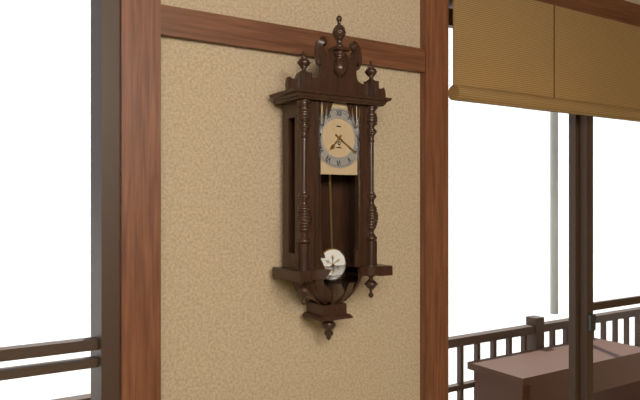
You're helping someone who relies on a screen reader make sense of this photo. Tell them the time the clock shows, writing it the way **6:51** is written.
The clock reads **7:21**
